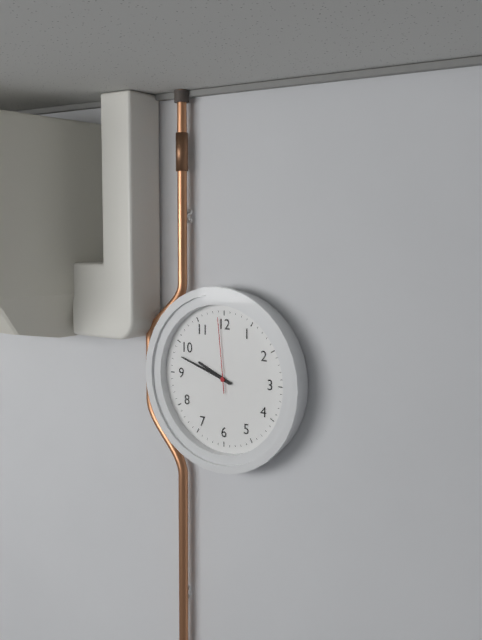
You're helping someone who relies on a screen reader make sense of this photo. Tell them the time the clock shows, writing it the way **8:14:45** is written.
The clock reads **9:48:59**
